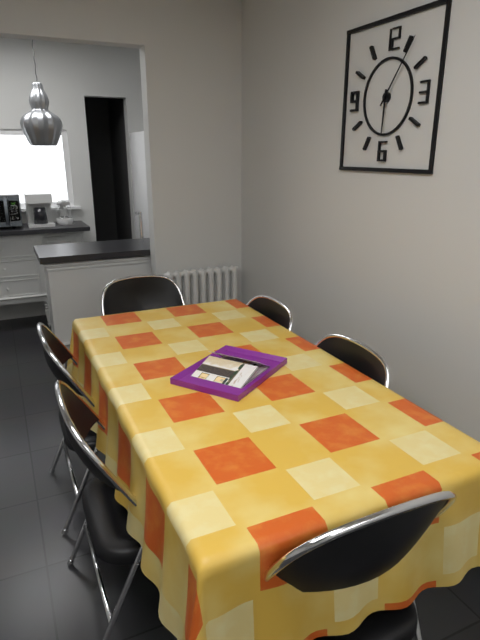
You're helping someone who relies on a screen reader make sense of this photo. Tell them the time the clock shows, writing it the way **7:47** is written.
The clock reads **6:06**
